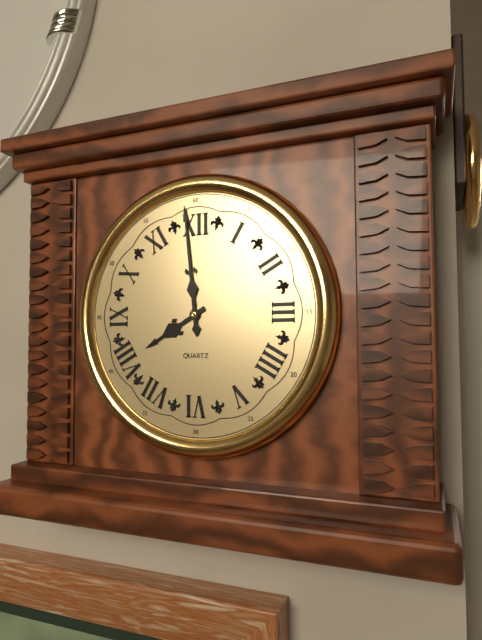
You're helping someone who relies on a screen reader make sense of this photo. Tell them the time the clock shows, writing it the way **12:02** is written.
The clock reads **7:59**
